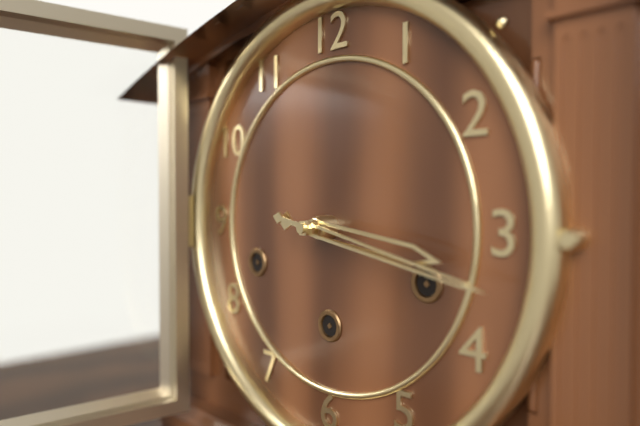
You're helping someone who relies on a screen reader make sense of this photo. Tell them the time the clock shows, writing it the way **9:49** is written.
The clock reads **3:17**
